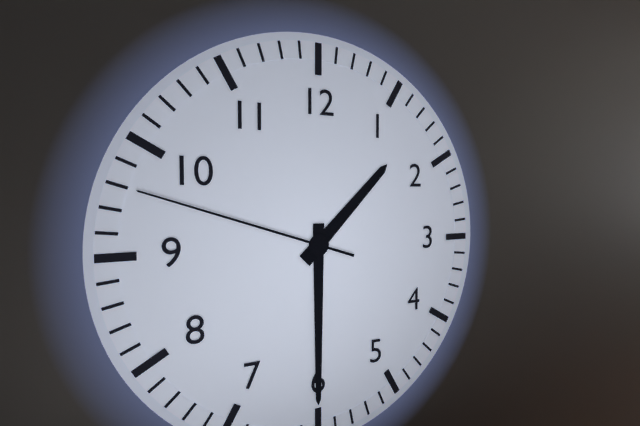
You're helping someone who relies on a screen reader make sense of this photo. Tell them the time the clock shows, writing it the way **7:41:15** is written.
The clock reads **1:30:48**
